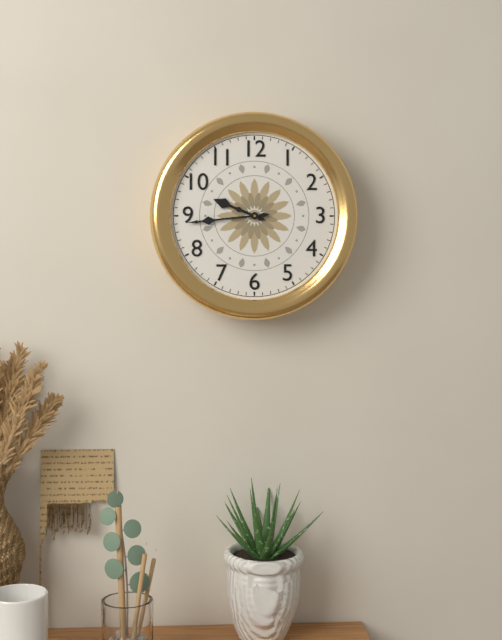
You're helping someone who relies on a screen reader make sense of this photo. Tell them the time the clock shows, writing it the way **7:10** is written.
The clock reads **9:44**
